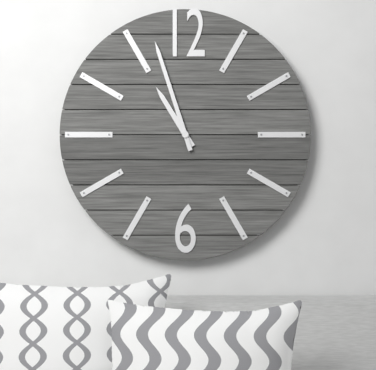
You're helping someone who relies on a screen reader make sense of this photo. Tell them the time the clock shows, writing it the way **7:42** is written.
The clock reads **10:57**
